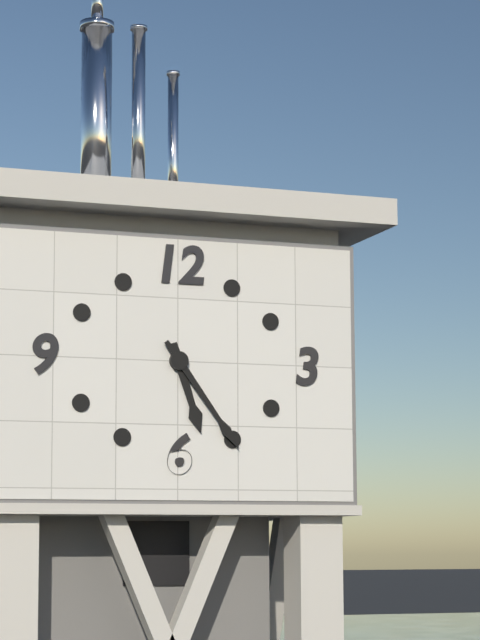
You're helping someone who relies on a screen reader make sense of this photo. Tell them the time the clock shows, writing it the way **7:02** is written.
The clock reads **5:24**
